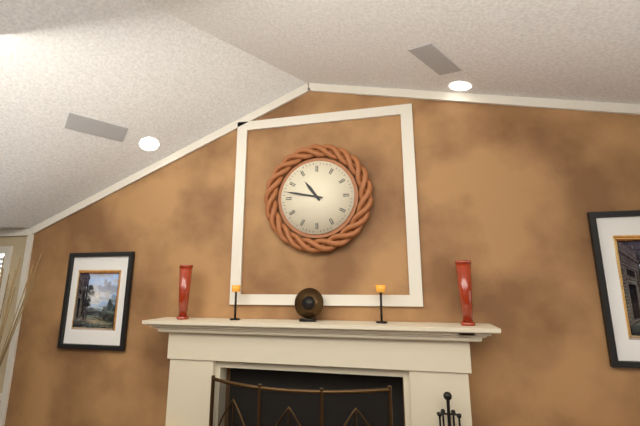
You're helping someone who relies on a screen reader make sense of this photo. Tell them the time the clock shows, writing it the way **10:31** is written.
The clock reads **10:47**
